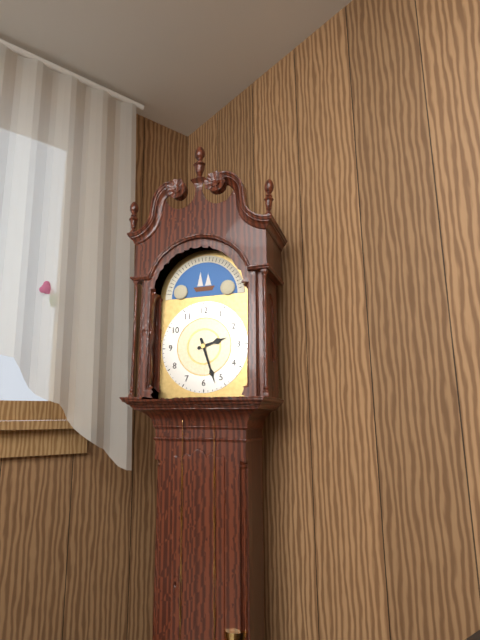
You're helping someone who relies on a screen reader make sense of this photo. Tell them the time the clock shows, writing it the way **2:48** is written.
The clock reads **2:27**
